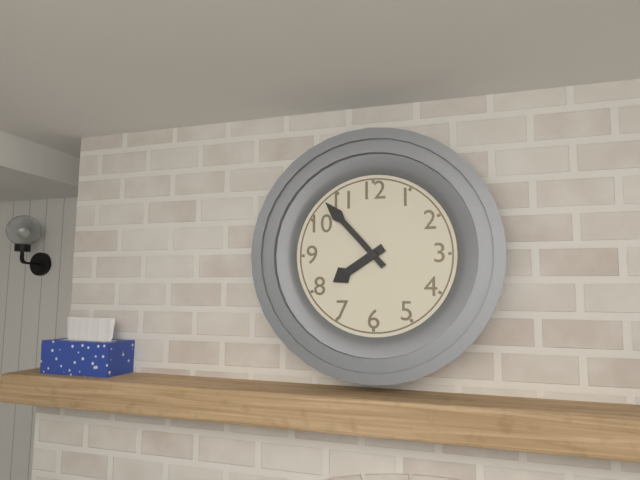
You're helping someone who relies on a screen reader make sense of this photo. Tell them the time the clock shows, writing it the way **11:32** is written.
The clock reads **7:53**
